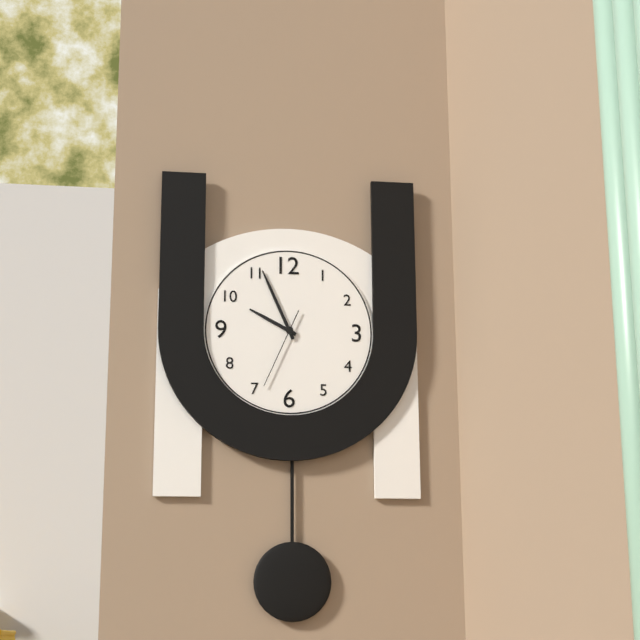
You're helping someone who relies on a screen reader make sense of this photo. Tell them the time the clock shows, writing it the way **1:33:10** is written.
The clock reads **9:56:34**
